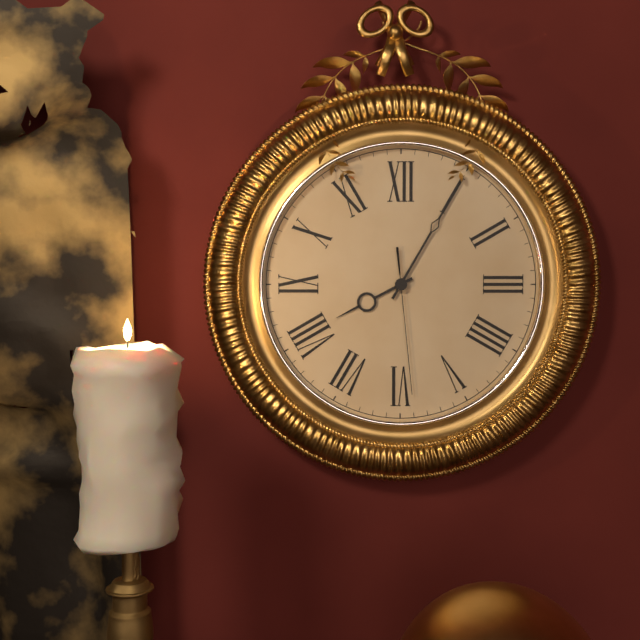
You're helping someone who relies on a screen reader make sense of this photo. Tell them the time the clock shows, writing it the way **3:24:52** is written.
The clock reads **8:05:29**
